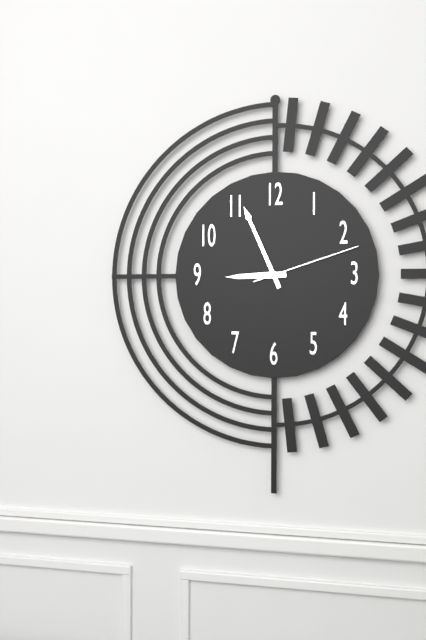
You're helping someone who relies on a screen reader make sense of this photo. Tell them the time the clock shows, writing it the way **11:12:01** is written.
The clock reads **8:56:12**
